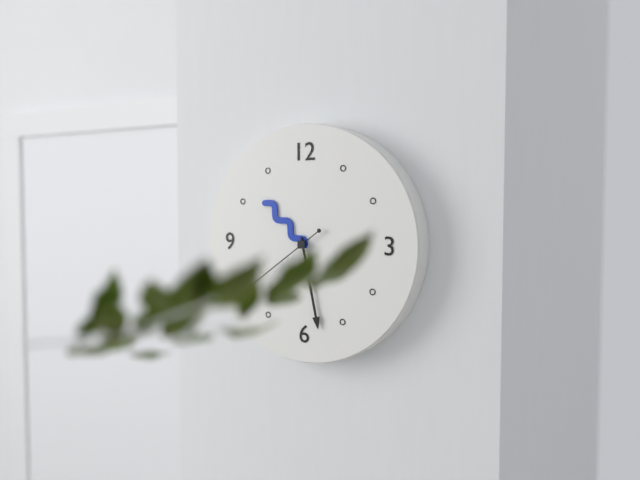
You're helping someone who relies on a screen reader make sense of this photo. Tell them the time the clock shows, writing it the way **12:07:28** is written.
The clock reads **10:28:39**
